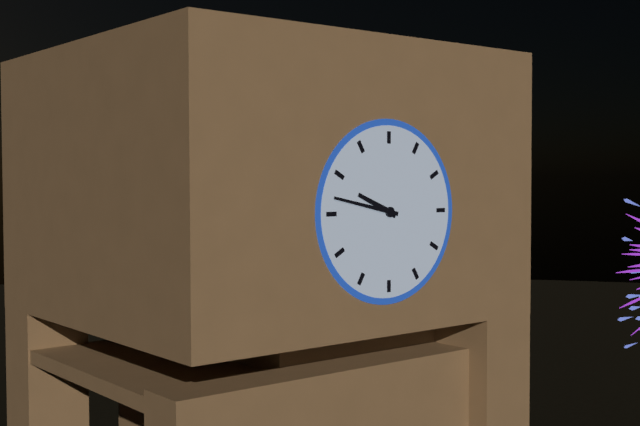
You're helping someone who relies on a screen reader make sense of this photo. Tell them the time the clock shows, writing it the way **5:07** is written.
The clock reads **9:47**
